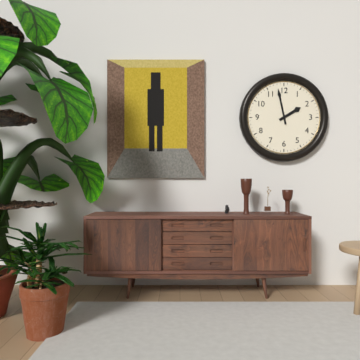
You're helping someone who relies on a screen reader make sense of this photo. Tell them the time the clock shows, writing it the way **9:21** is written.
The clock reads **1:58**
